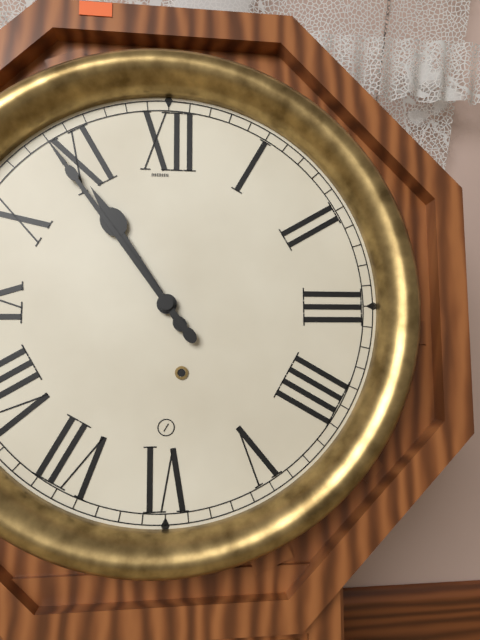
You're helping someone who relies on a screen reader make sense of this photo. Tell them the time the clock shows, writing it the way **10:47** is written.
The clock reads **10:54**
